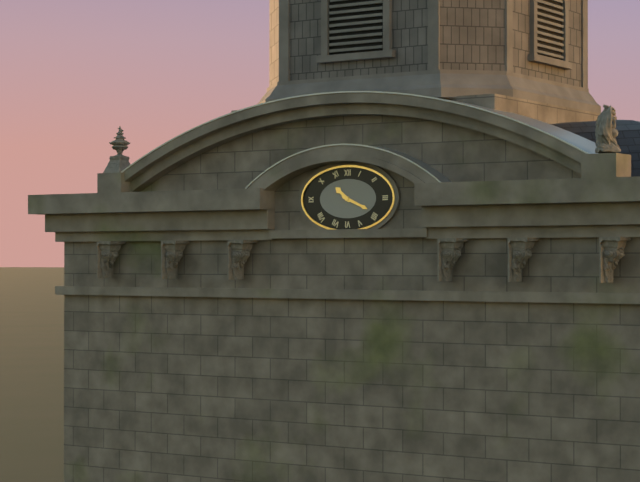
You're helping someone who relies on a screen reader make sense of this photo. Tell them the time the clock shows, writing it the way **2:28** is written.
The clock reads **10:19**
